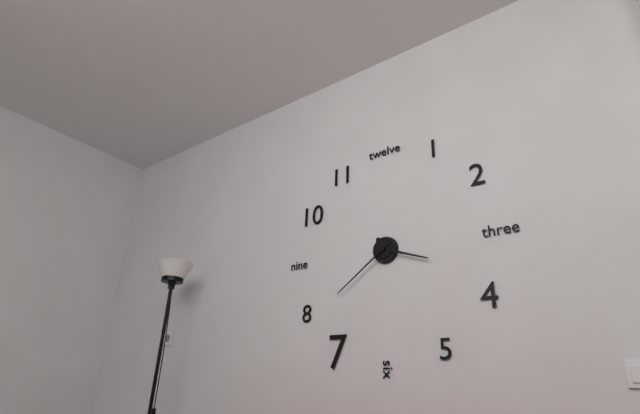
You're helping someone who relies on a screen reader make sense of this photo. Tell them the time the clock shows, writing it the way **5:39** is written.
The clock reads **3:39**
